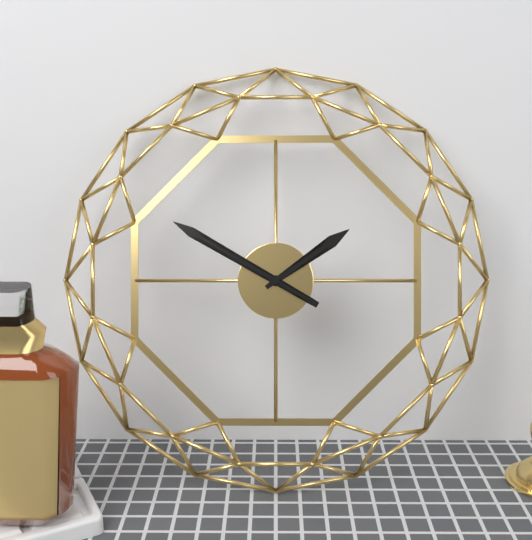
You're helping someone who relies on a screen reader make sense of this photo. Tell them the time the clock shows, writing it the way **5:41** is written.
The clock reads **1:50**
